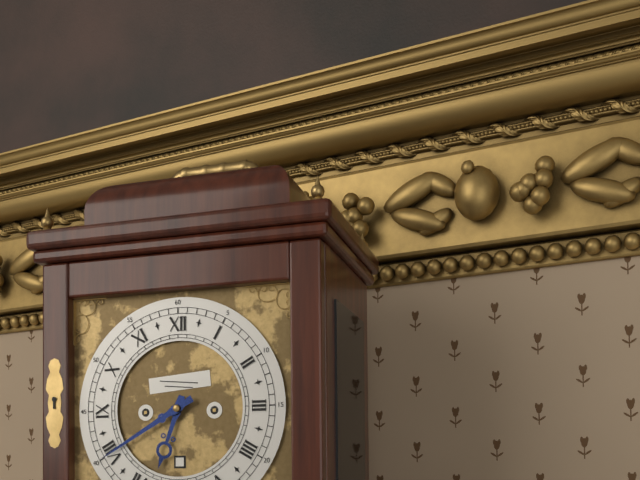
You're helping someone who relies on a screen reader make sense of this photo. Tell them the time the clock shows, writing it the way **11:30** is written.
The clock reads **6:40**
